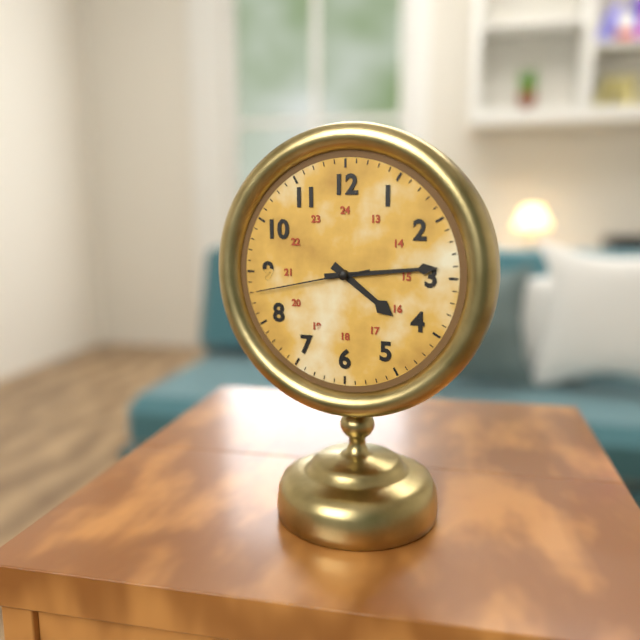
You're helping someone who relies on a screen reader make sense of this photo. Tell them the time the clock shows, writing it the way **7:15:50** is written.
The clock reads **4:14:43**
